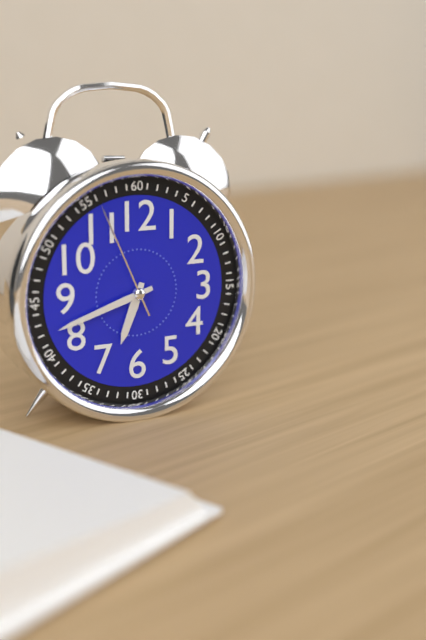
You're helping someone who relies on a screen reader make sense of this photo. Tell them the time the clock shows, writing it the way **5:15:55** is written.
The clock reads **6:42:56**
